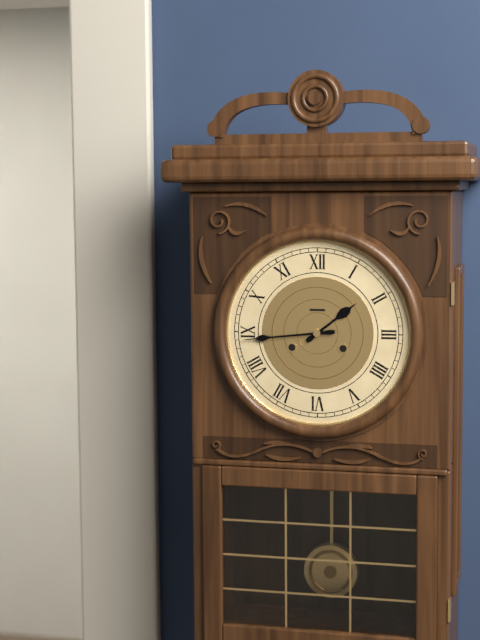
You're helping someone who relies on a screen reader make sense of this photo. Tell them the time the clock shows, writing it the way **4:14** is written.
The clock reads **1:44**
